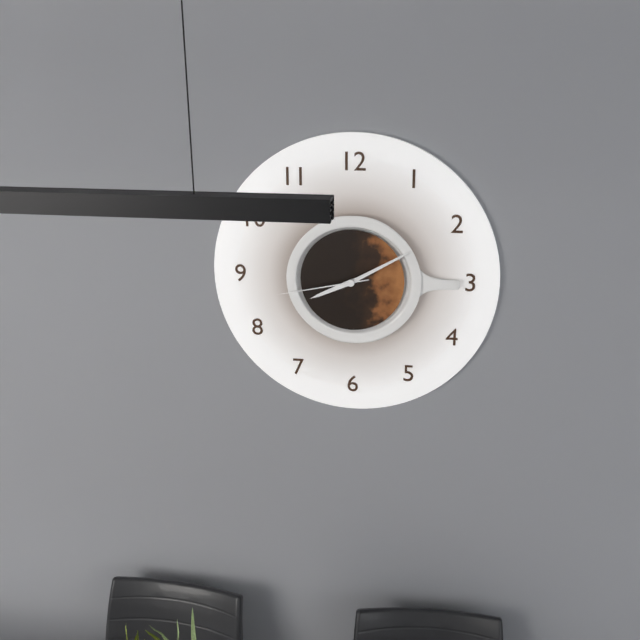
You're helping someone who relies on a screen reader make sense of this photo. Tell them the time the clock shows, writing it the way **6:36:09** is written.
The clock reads **8:10:43**
